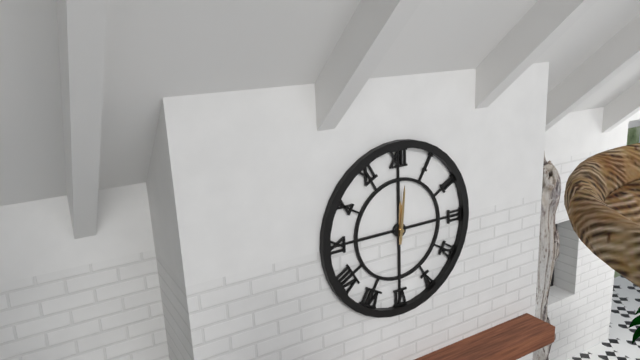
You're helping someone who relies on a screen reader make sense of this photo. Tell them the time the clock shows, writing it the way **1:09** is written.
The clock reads **12:01**
